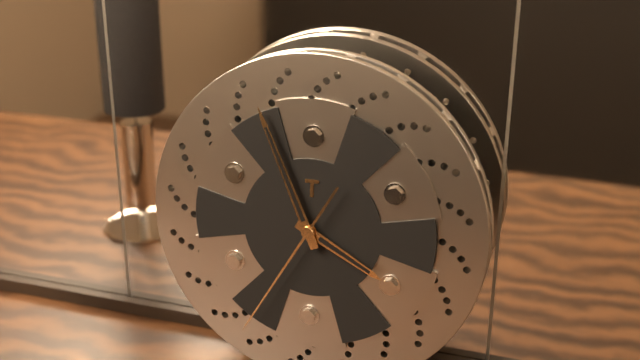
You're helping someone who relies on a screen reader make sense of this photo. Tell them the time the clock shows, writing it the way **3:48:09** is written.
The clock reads **3:56:35**
